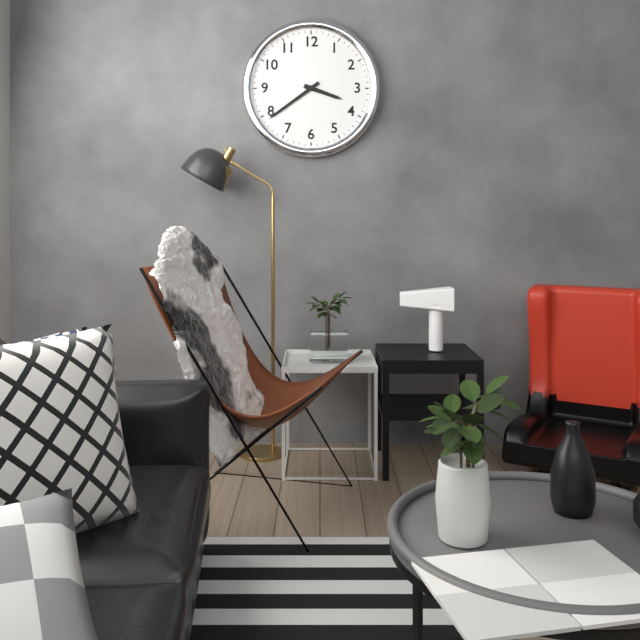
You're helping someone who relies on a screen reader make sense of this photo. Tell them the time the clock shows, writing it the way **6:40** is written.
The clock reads **3:39**
